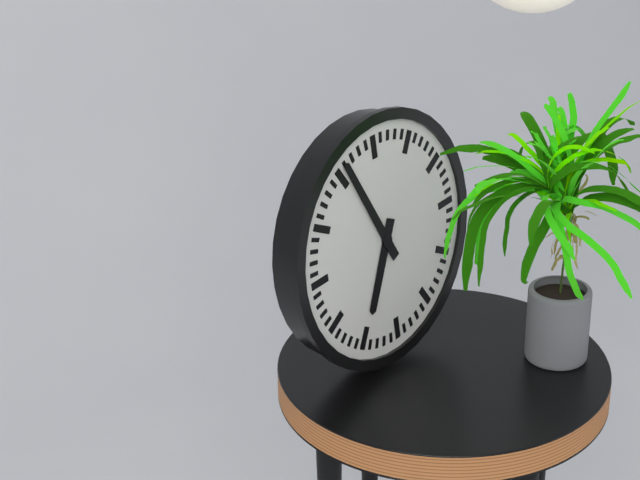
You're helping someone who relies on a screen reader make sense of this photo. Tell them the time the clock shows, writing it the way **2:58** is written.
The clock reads **6:56**
